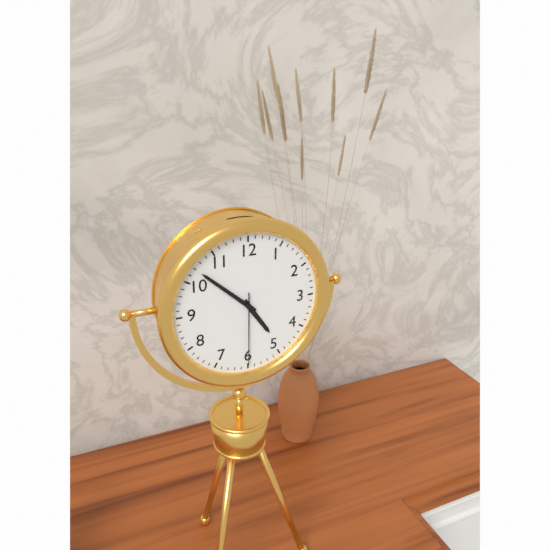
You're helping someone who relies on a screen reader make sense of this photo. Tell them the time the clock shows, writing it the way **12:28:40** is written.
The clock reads **4:52:30**
